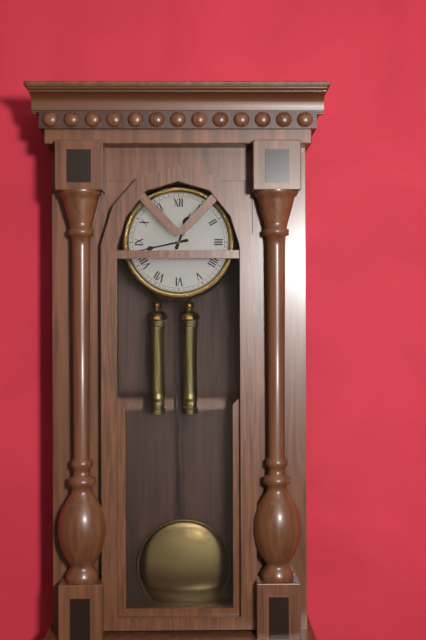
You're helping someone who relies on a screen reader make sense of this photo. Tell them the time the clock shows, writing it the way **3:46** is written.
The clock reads **12:43**
